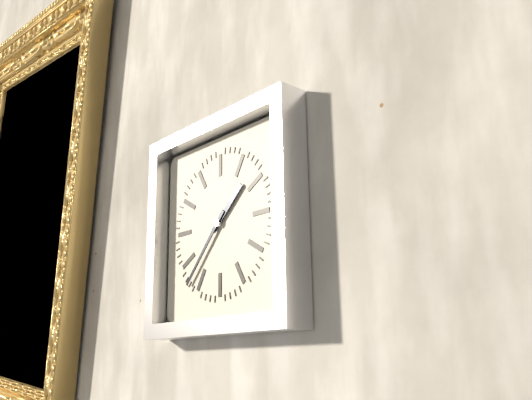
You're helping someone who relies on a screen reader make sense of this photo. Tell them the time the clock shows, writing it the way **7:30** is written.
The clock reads **1:37**
